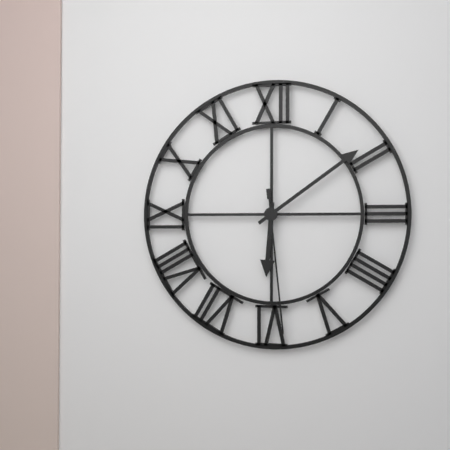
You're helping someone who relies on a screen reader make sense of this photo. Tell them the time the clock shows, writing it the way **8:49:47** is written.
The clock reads **6:09:29**
